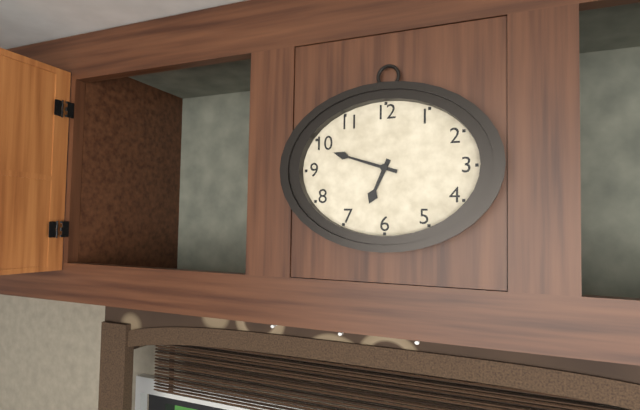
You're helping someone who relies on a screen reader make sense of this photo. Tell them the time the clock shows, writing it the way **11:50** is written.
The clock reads **6:48**
